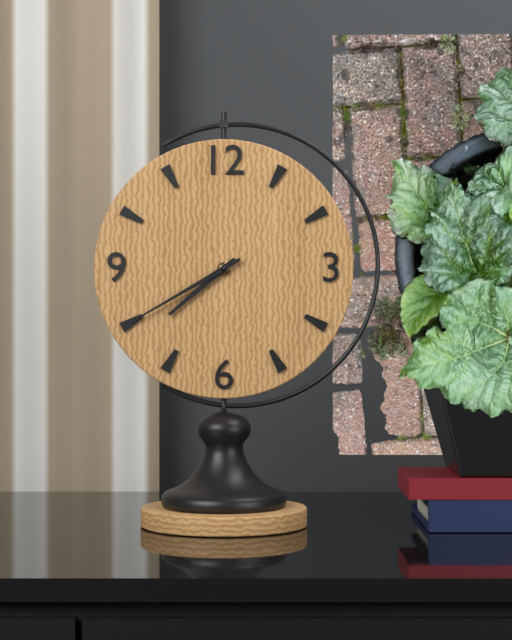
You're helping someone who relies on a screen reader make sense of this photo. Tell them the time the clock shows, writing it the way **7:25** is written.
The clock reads **7:40**
